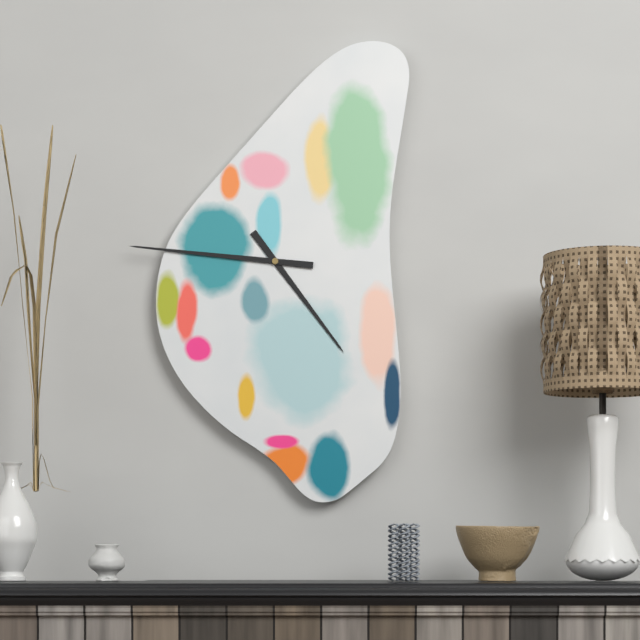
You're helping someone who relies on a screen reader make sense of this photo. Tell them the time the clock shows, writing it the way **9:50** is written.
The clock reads **4:46**
